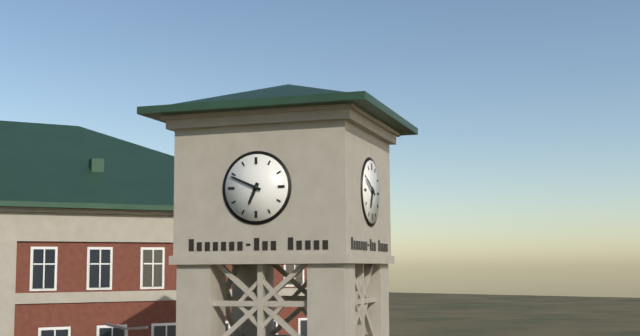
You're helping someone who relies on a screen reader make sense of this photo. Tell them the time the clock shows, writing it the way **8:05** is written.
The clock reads **6:49**
